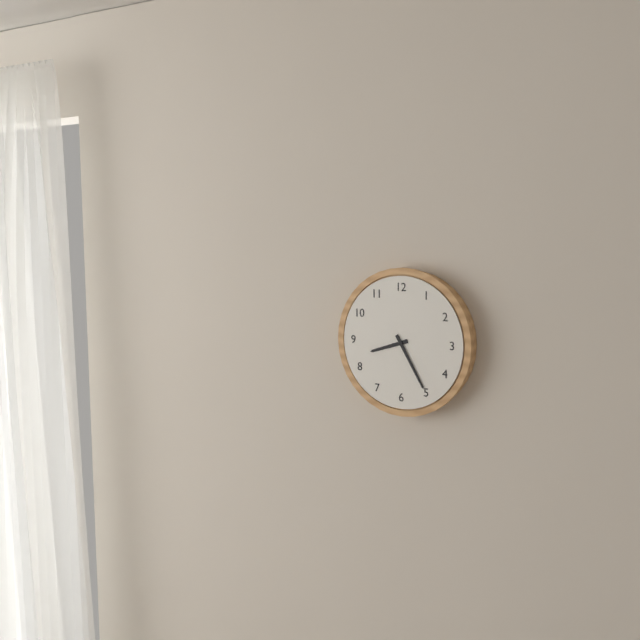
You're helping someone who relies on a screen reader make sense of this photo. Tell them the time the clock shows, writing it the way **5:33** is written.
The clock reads **8:25**
